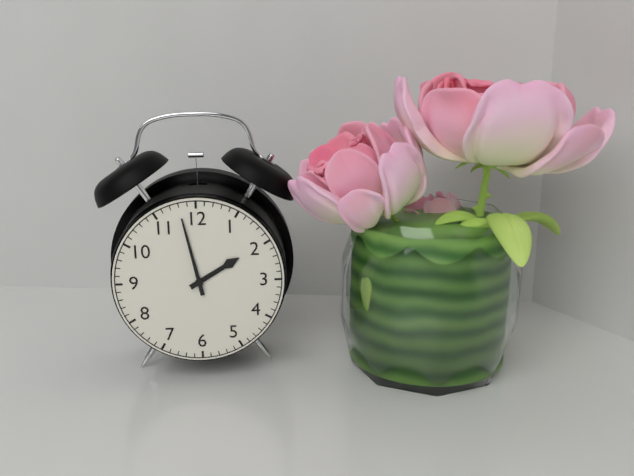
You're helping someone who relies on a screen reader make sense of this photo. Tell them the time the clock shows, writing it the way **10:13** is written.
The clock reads **1:58**
